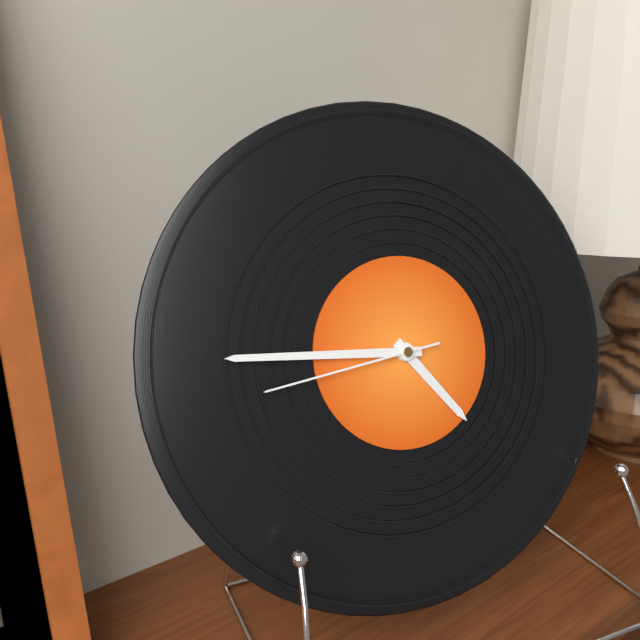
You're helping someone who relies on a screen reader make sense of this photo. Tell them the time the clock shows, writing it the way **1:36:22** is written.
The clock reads **4:46:44**
